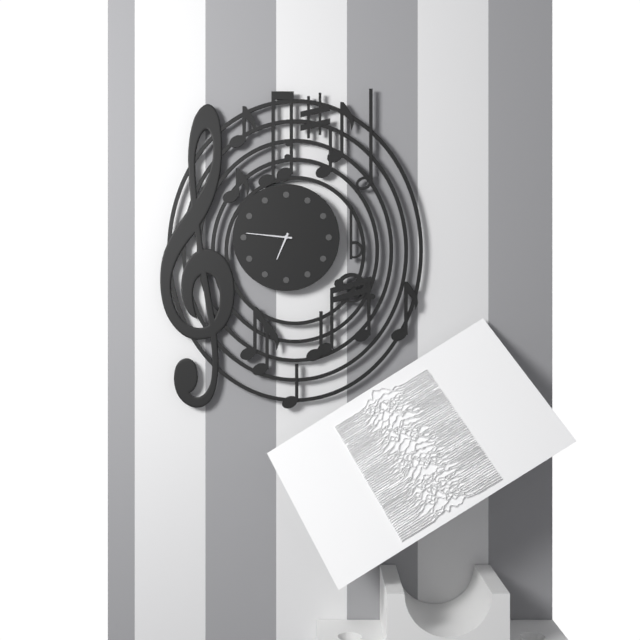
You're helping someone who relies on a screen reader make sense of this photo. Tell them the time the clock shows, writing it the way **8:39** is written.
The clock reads **6:46**
